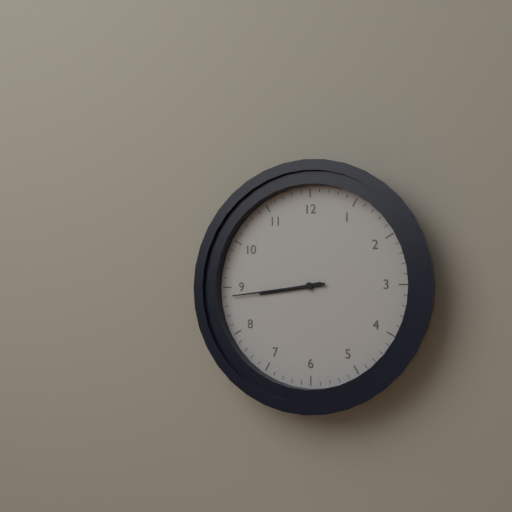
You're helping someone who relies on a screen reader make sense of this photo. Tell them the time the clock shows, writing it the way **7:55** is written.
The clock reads **8:44**
